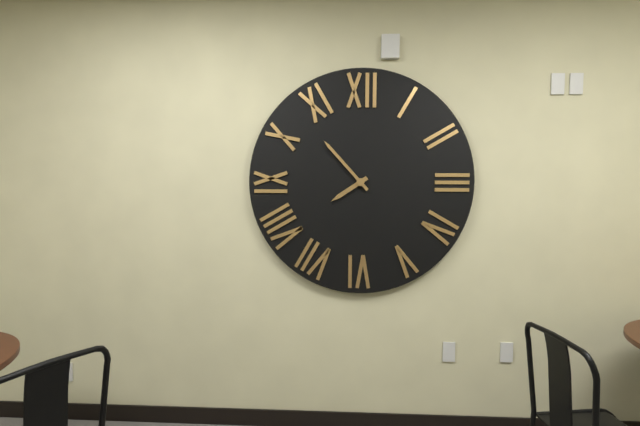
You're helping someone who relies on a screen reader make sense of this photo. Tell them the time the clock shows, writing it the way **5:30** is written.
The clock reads **7:53**
